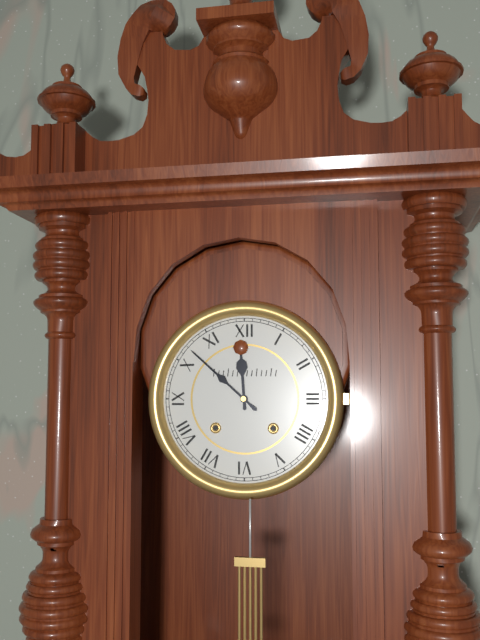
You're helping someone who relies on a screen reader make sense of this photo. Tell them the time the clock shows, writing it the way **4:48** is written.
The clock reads **11:52**
